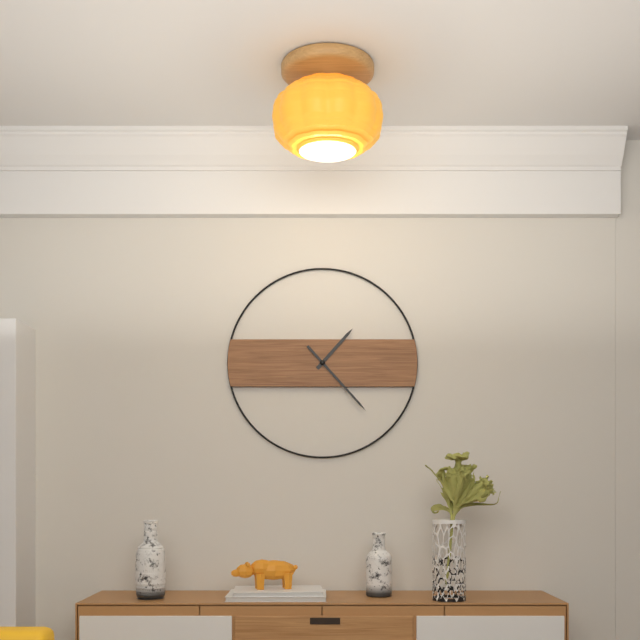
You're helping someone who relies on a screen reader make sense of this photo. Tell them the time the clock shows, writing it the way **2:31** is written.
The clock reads **1:23**
